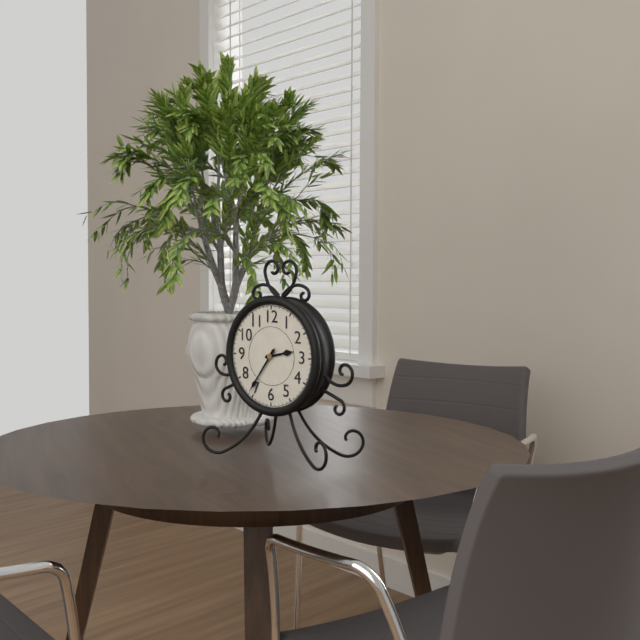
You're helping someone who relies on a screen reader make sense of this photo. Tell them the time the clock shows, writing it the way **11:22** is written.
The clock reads **2:36**
